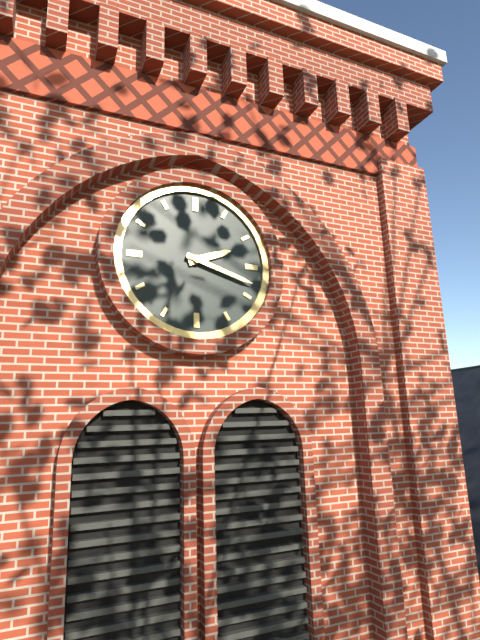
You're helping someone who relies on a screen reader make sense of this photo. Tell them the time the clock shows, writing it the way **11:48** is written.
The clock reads **2:18**
